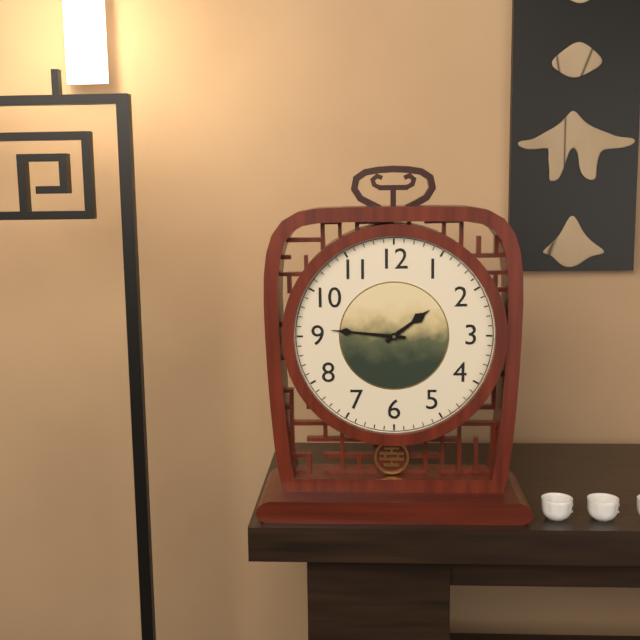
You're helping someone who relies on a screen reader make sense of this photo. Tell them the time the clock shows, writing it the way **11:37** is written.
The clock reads **1:46**
